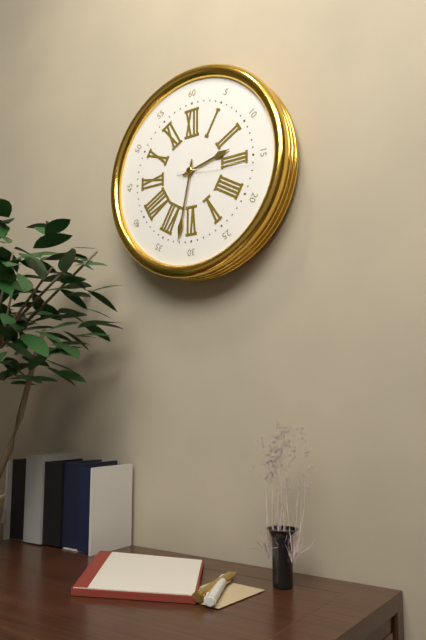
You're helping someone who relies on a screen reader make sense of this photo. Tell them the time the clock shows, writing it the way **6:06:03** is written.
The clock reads **2:32:16**
